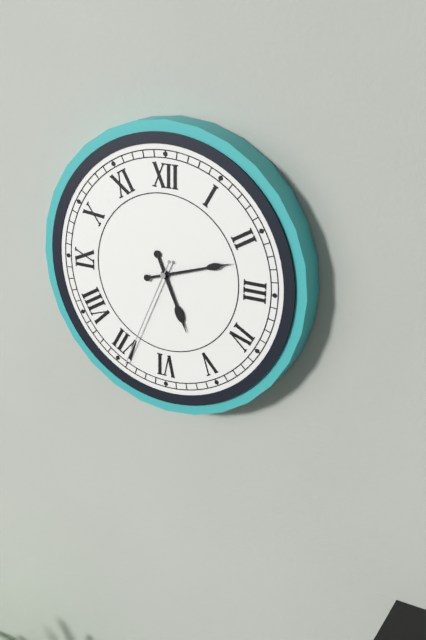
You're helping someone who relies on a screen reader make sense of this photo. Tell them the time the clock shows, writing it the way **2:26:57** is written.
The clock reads **5:12:34**
